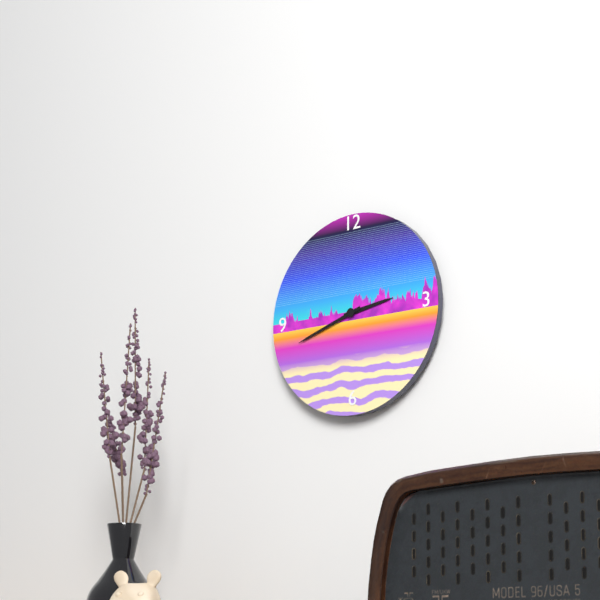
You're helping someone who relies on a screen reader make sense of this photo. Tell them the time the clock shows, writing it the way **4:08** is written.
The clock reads **2:42**
